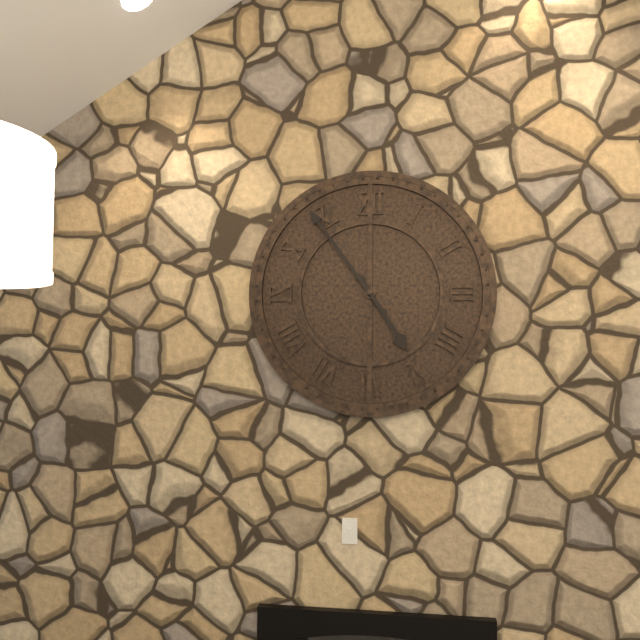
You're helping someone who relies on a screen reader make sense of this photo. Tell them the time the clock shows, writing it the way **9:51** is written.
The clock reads **4:54**
